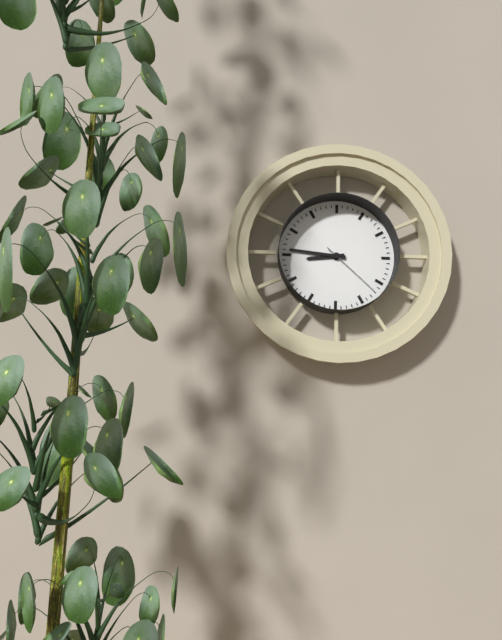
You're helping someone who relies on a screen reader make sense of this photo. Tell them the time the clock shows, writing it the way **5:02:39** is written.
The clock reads **8:46:22**
